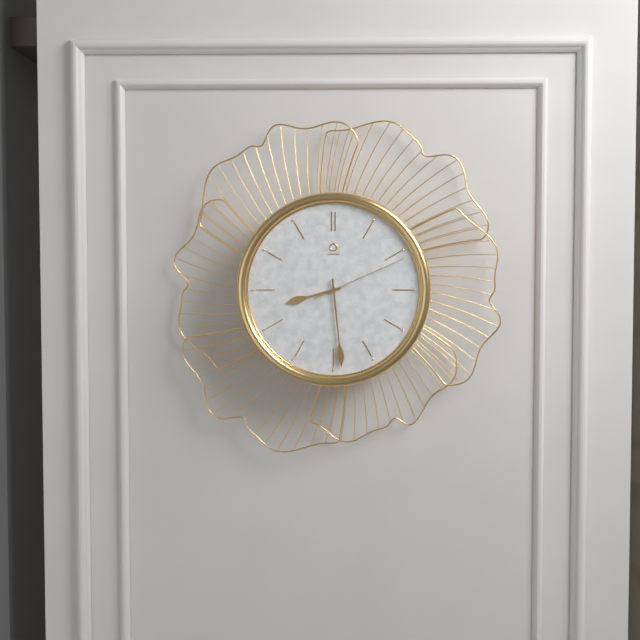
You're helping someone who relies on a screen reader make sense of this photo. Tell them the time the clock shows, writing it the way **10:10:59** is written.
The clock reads **8:29:11**
